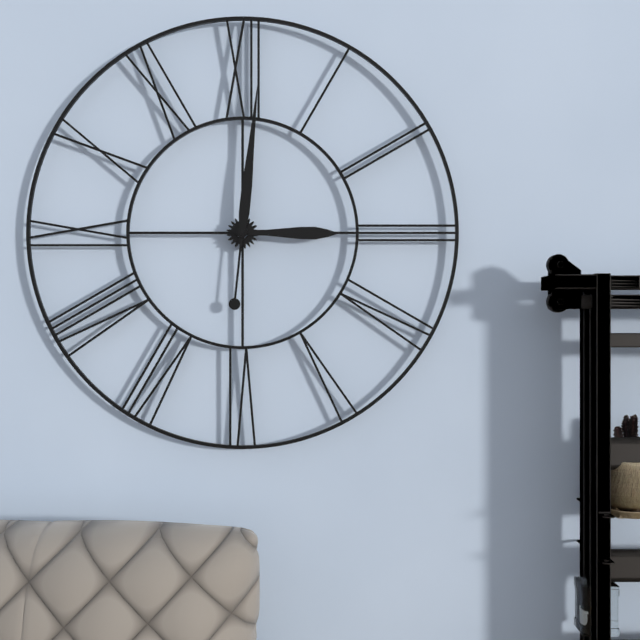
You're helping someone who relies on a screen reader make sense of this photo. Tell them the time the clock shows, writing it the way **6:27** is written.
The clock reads **3:01**
